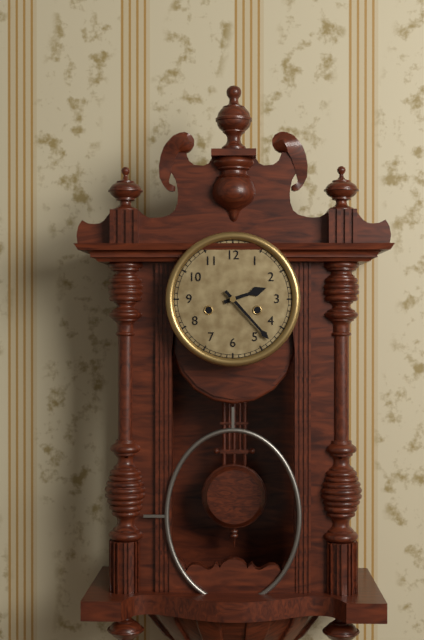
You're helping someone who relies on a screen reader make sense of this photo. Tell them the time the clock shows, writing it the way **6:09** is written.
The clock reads **2:23**
